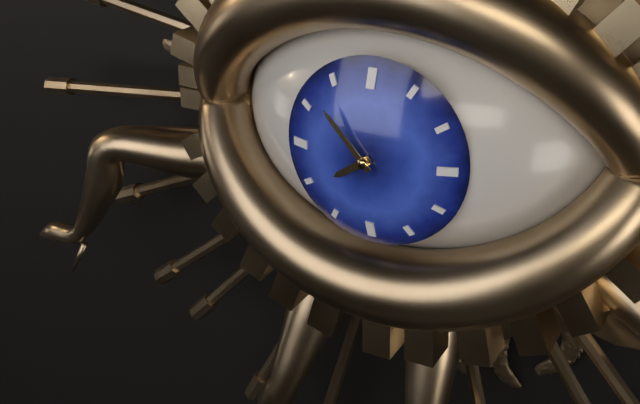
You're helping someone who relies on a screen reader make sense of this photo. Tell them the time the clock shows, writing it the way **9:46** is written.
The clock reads **7:53**
